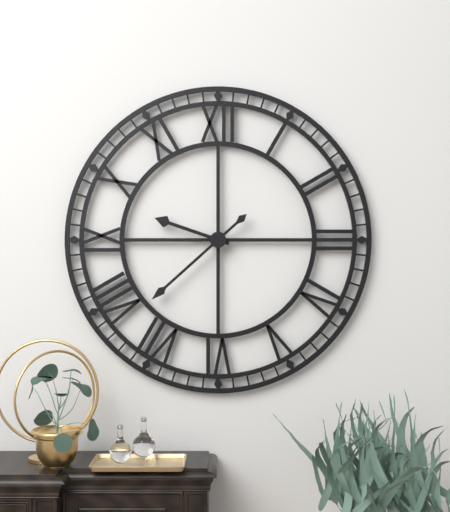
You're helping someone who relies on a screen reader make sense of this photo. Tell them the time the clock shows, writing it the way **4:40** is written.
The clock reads **9:38**
